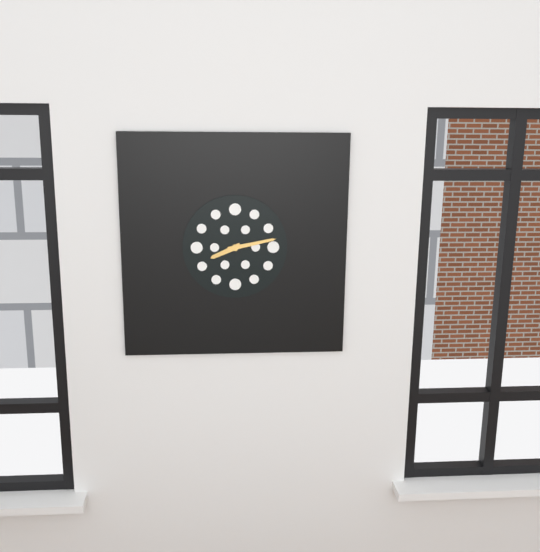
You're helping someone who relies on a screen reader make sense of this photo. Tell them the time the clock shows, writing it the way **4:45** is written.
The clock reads **8:13**
